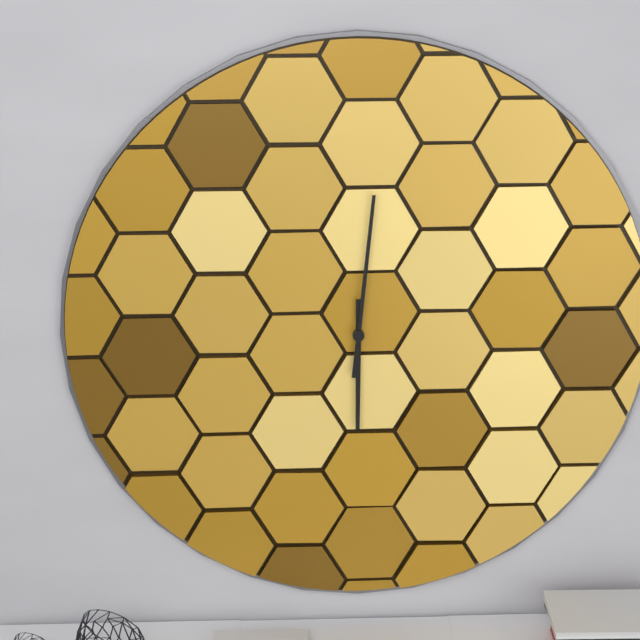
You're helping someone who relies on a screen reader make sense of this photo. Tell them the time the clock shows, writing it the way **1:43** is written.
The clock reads **6:01**
